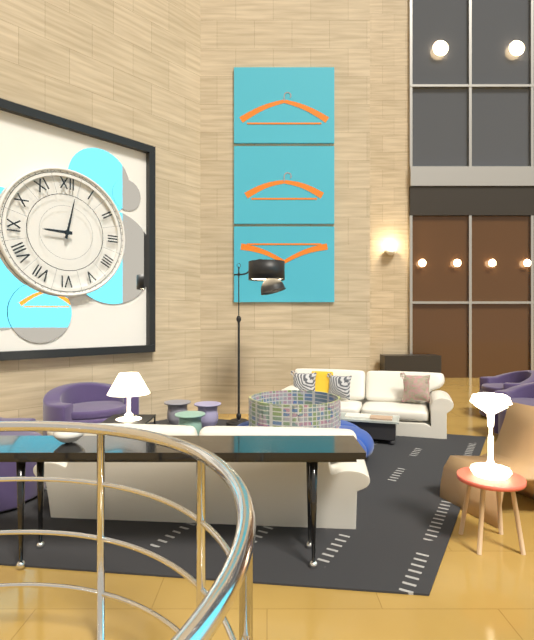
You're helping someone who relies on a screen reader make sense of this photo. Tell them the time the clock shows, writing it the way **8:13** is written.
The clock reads **9:02**
